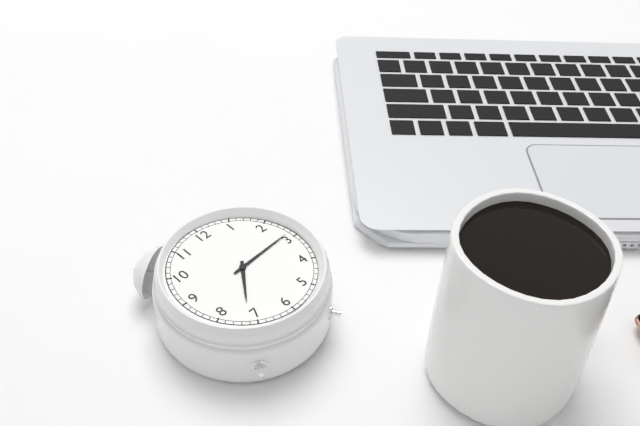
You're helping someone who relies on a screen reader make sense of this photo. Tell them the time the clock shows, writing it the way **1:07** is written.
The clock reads **7:14**
